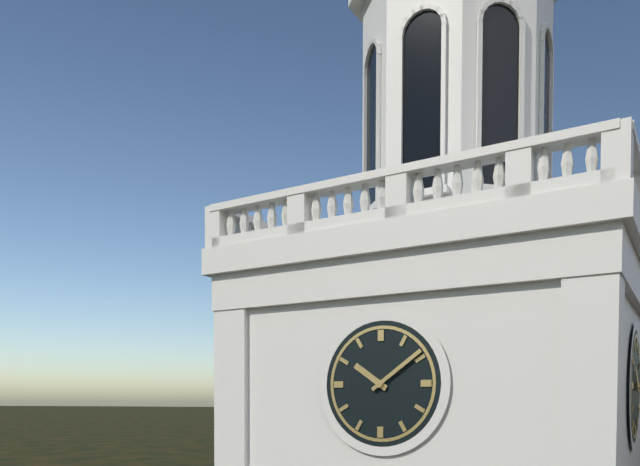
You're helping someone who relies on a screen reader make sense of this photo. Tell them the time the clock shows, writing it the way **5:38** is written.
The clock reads **10:09**
